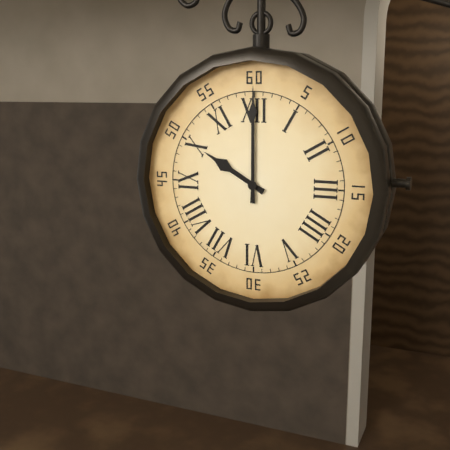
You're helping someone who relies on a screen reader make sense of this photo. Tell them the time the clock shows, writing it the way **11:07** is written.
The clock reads **10:00**
